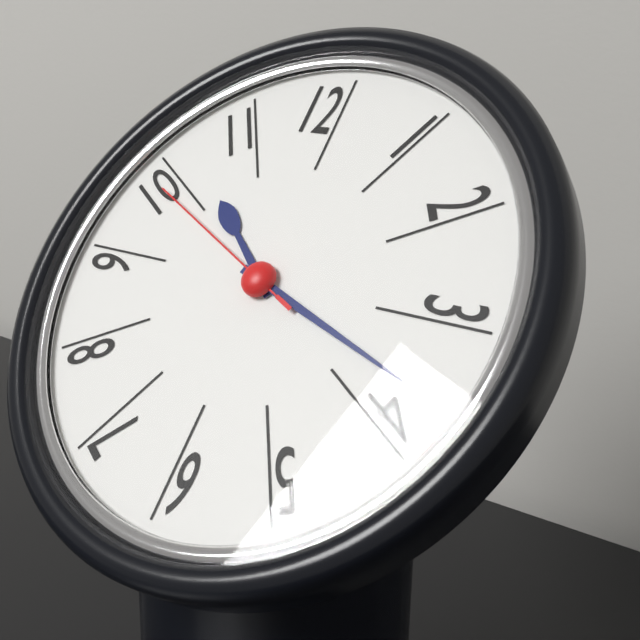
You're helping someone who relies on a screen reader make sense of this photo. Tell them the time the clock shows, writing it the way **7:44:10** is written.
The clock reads **10:18:49**
